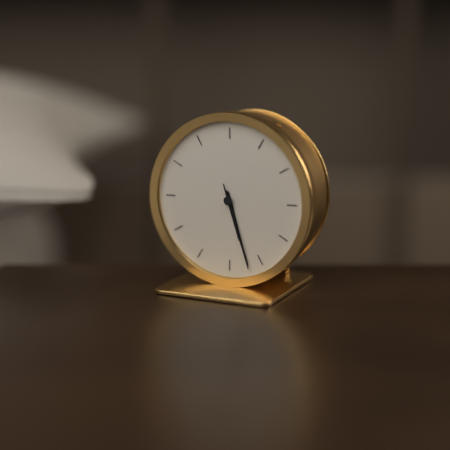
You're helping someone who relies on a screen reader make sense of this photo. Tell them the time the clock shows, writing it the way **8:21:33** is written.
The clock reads **5:27:27**
